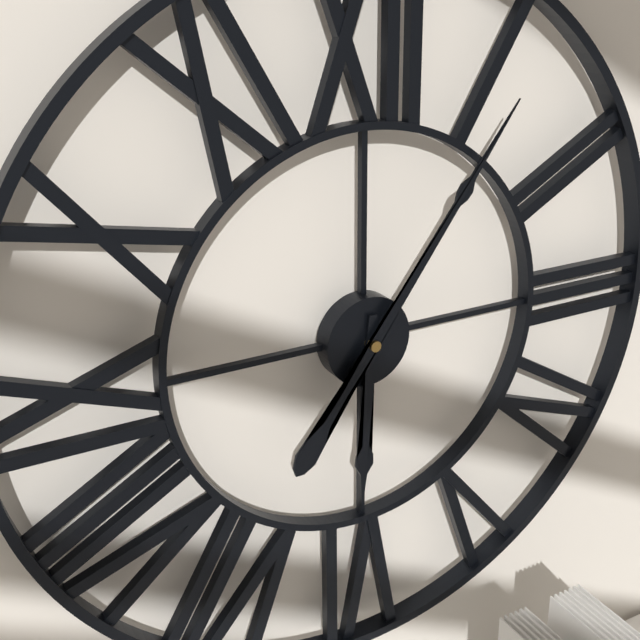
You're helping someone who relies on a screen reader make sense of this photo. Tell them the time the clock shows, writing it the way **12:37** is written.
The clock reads **6:06**
